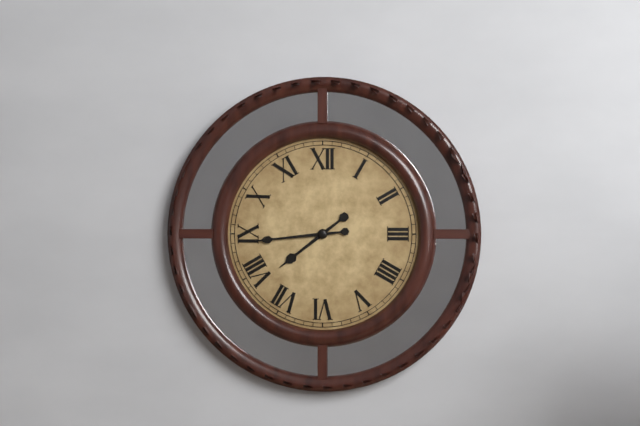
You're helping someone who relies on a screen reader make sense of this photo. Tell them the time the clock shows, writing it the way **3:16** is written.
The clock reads **7:44**
